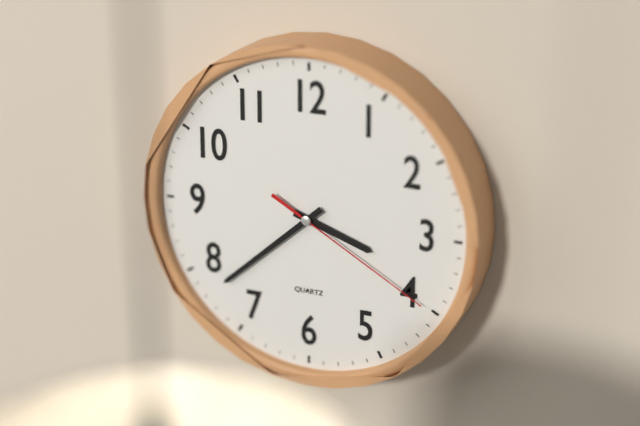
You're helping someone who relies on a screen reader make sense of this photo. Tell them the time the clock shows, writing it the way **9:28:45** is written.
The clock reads **3:38:20**
